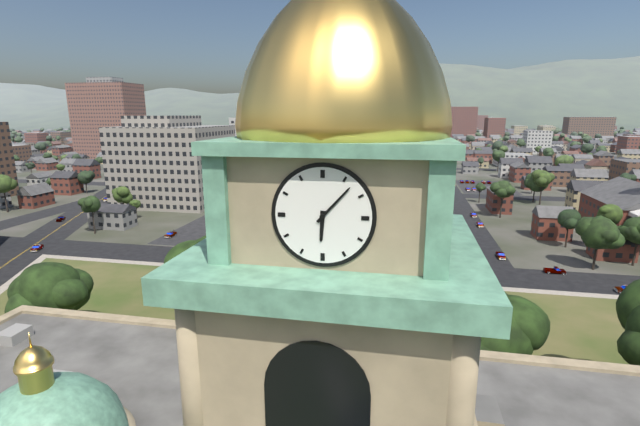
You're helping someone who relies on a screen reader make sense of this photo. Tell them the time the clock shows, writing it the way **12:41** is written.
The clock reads **6:07**
